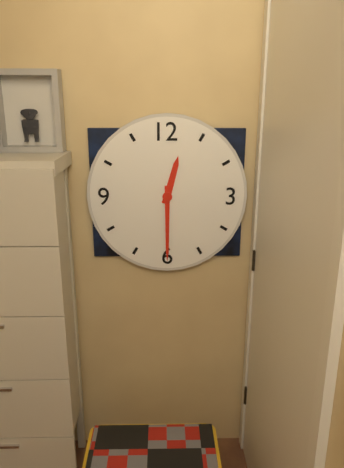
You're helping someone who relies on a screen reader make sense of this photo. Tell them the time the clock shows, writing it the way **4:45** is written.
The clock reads **12:30**
